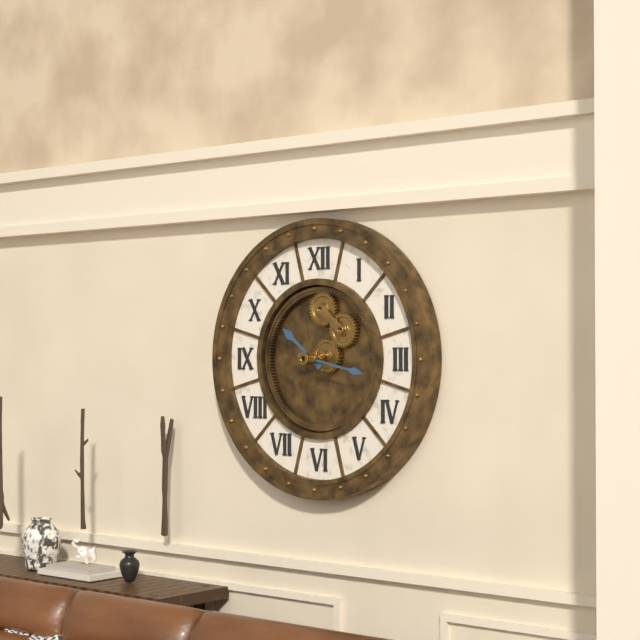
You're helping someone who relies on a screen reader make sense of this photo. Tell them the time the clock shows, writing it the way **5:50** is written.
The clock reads **10:17**
